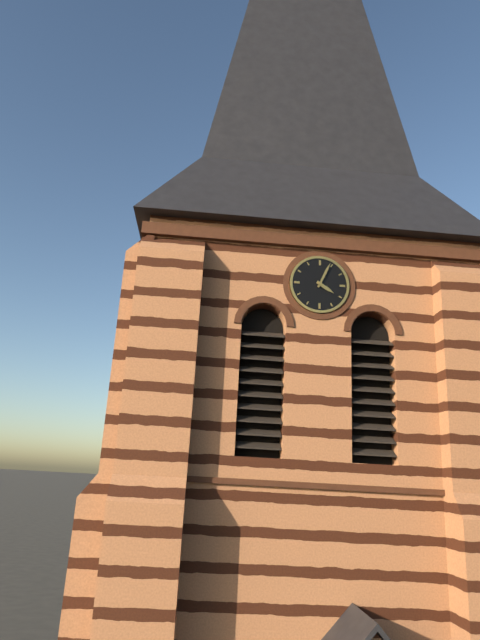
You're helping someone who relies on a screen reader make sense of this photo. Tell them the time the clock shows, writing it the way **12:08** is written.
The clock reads **4:04**
